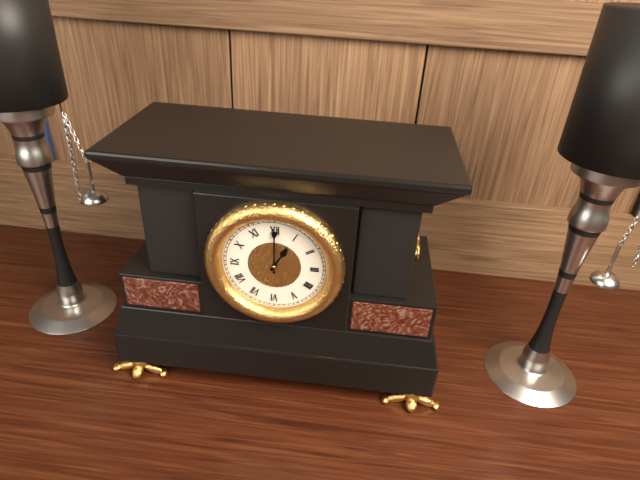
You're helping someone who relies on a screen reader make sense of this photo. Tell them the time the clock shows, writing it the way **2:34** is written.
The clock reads **1:00**
